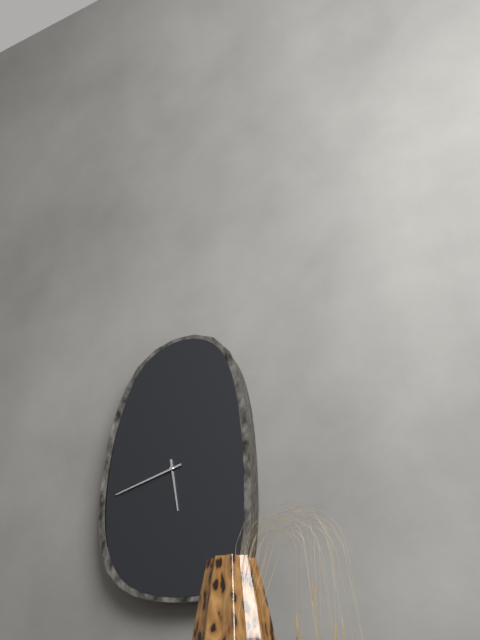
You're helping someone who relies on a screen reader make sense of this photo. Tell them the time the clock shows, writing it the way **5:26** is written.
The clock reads **5:43**
